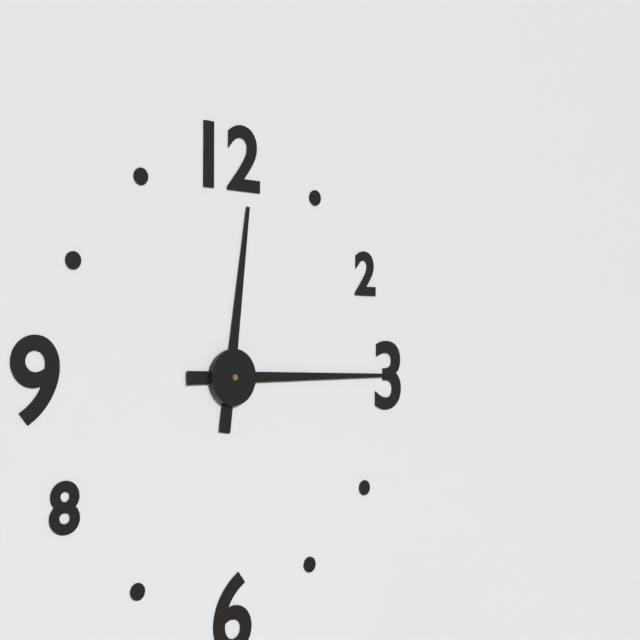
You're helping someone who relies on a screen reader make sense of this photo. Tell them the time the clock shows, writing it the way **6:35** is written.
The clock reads **12:15**
